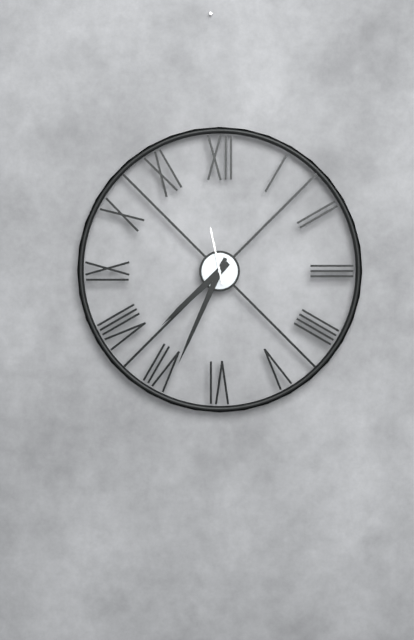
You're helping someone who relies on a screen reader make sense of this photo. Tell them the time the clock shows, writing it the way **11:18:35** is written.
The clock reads **7:34:58**
